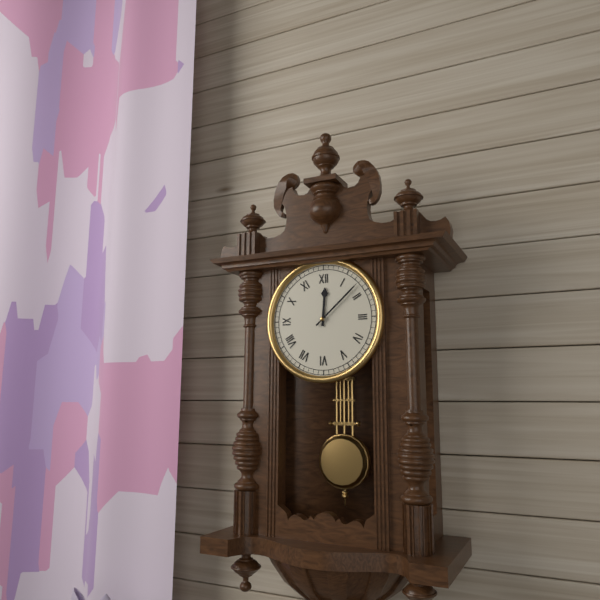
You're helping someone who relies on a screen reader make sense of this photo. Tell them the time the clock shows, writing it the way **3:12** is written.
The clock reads **12:08**
